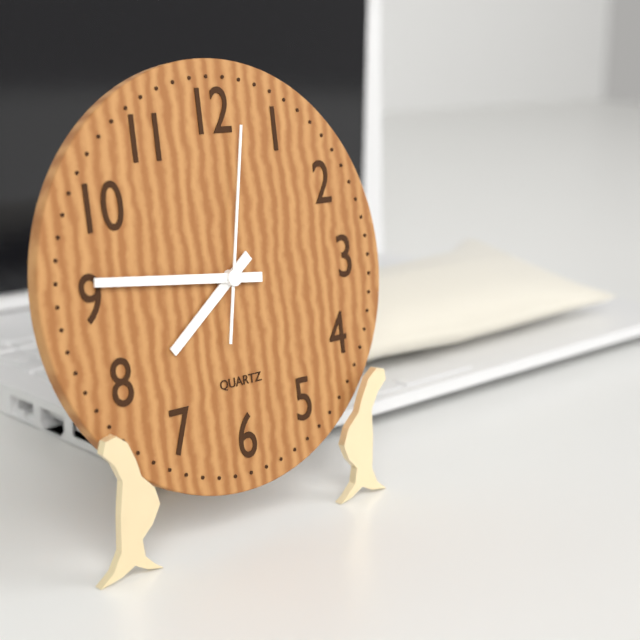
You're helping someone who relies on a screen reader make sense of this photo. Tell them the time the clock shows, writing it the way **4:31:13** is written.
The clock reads **7:46:02**
